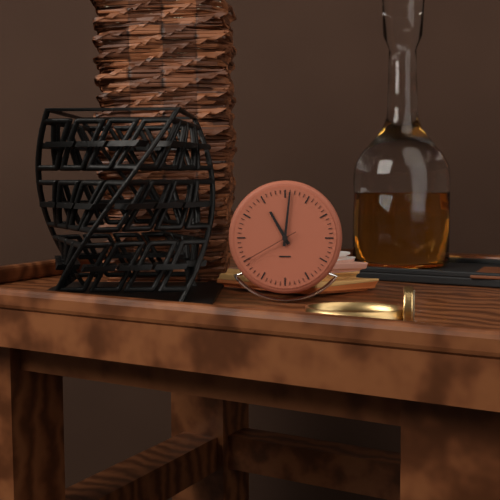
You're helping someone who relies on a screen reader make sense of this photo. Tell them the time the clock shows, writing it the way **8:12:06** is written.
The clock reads **11:01:40**
